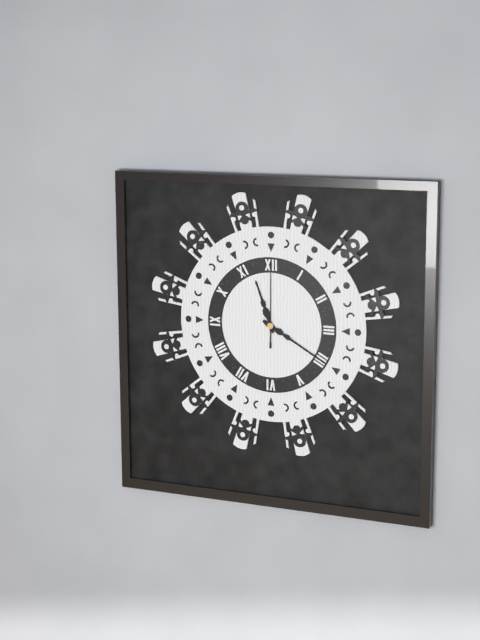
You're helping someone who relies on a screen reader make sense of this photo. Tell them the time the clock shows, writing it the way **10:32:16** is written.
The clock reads **11:20:00**
